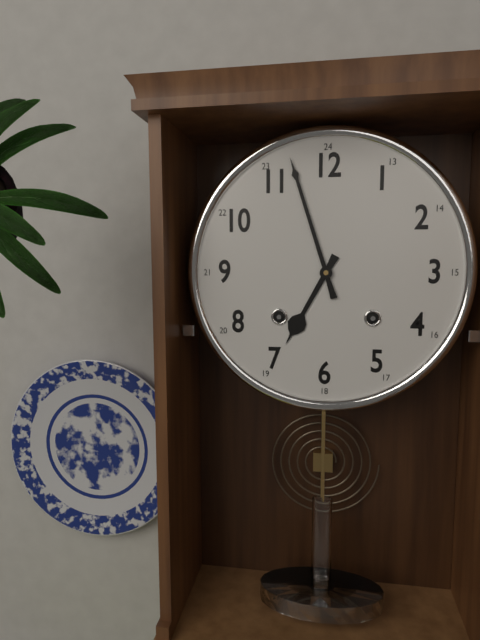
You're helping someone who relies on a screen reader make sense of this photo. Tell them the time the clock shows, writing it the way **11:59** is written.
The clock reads **6:57**
